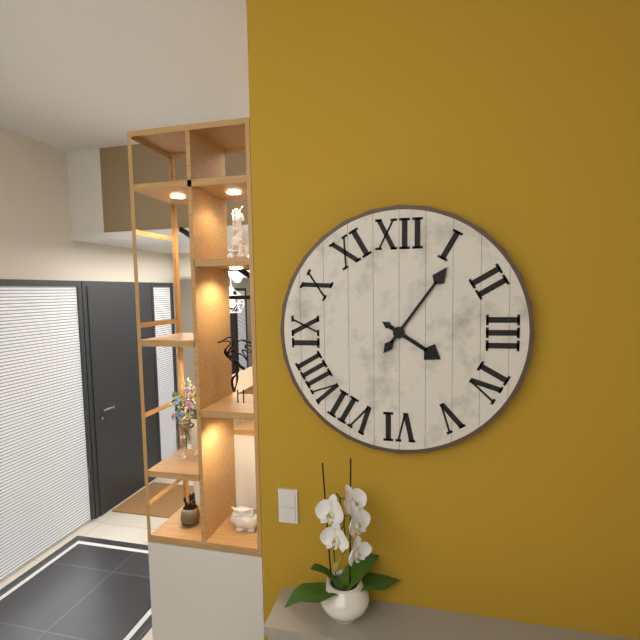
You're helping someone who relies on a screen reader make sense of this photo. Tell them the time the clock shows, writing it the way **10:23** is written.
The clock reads **4:06**
